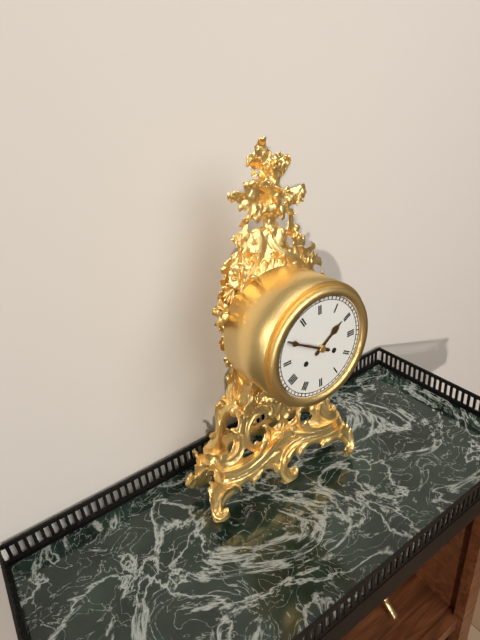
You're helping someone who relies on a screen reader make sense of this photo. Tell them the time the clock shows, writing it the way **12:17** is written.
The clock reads **1:50**
